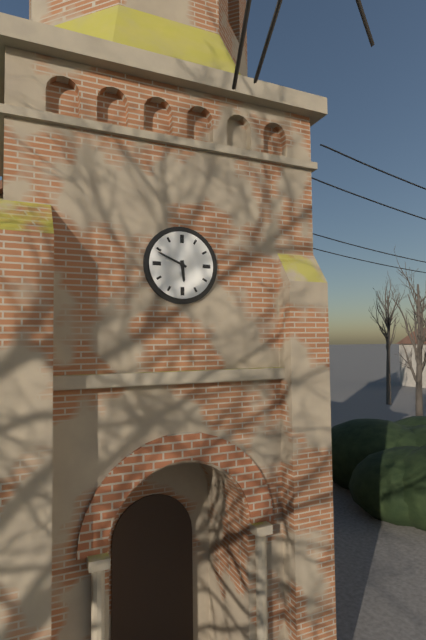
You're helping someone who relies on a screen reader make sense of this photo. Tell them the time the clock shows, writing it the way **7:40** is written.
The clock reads **5:49**
